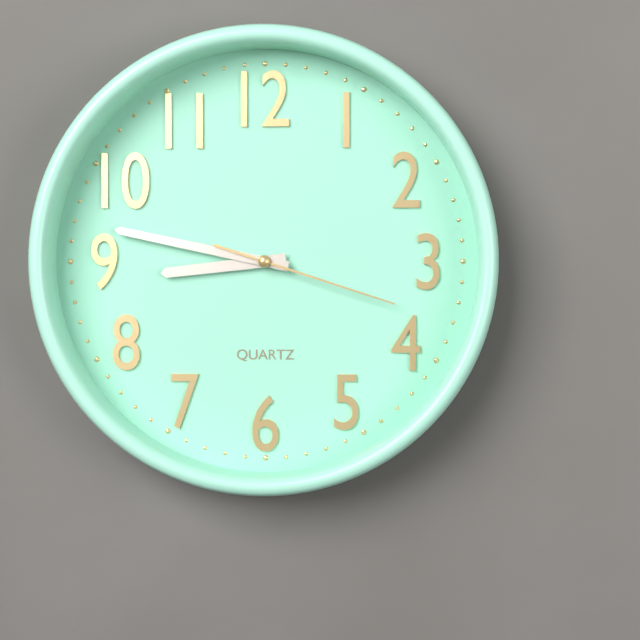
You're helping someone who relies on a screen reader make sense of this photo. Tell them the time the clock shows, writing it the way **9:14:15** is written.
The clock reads **8:47:18**
